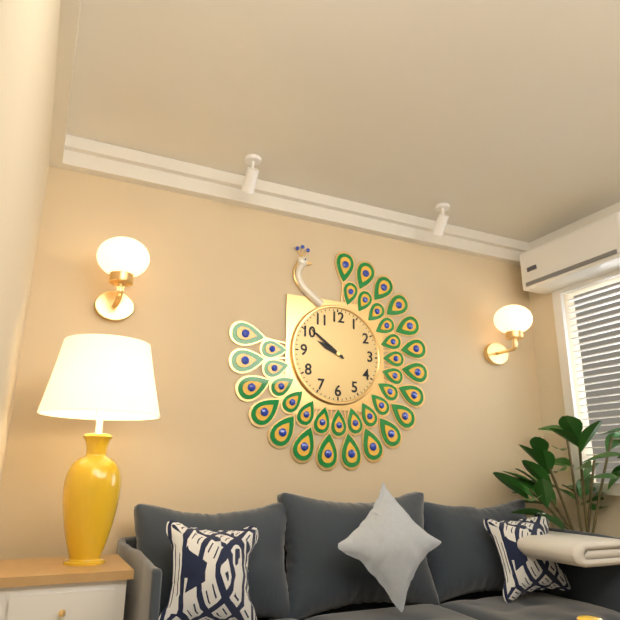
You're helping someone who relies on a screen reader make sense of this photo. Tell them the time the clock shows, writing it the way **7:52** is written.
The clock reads **9:51**
